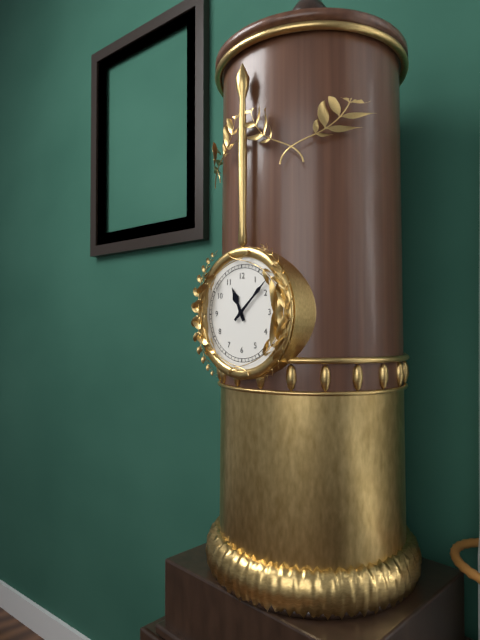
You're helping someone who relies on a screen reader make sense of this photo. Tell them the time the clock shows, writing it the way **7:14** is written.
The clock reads **11:08**
